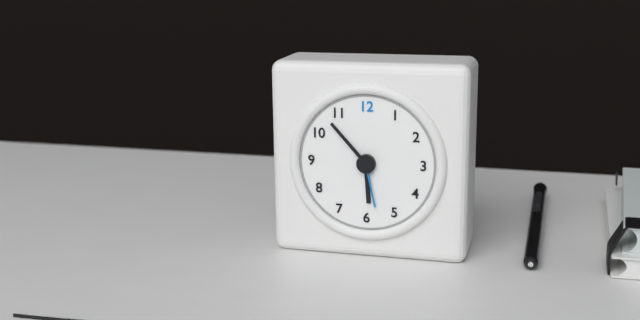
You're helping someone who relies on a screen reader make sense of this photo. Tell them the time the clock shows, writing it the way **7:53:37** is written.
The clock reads **5:53:28**
